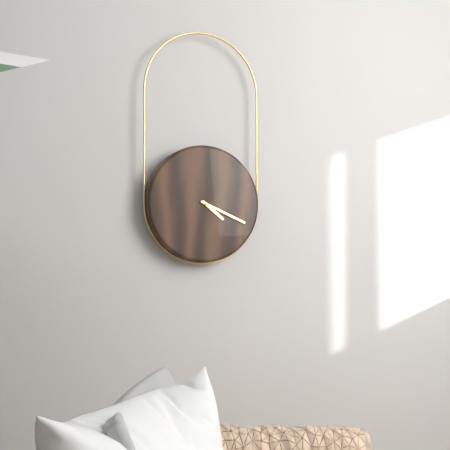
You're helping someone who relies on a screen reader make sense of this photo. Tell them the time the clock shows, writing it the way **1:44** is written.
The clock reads **4:19**
